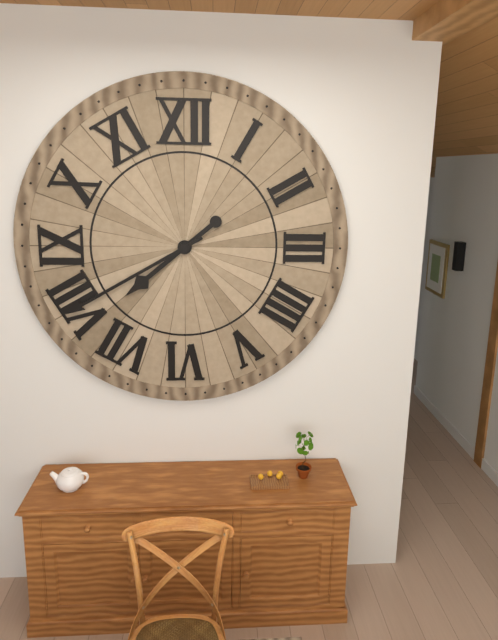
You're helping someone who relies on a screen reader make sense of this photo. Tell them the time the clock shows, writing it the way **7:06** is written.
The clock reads **7:40**
